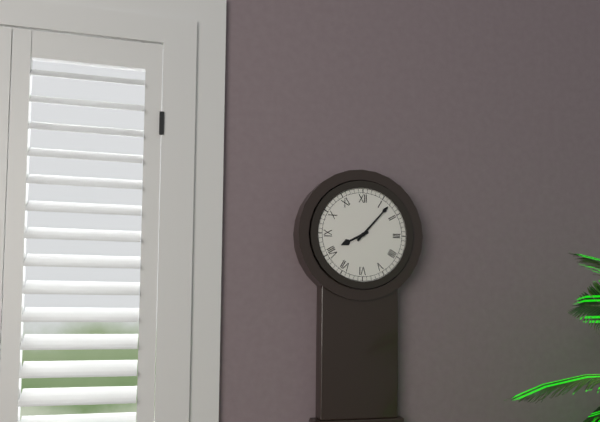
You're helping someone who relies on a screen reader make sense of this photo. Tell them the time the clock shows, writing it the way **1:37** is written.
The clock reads **8:07**
